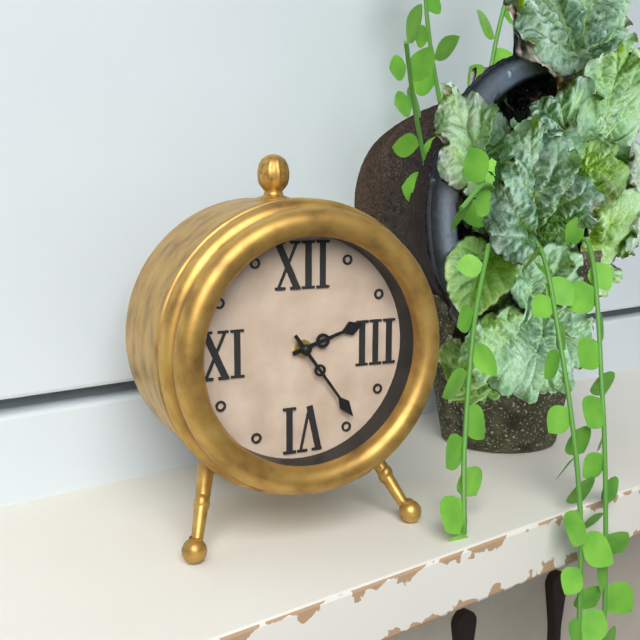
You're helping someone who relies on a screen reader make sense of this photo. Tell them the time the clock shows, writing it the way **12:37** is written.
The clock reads **2:24**
